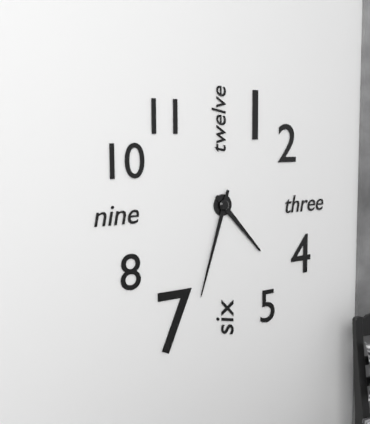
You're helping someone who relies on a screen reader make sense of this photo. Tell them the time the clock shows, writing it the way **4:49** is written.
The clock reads **4:33**
